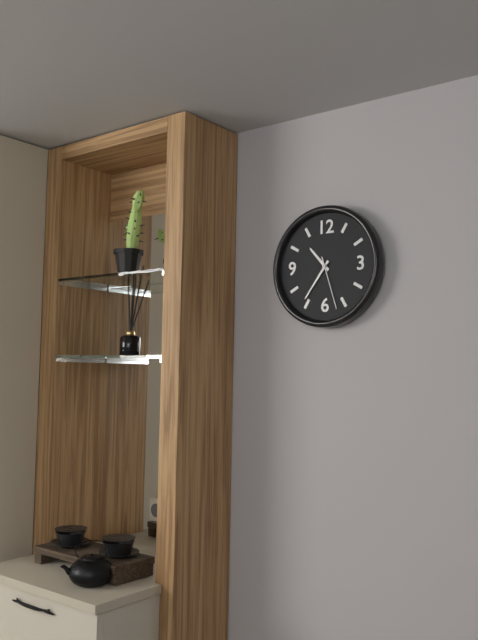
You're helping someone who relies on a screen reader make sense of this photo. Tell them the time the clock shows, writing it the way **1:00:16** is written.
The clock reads **10:36:27**
